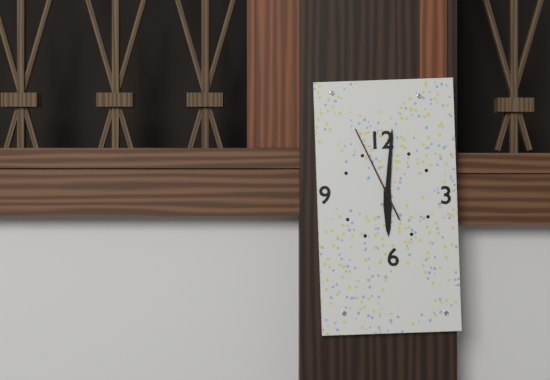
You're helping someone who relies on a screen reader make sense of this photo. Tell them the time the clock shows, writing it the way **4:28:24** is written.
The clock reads **6:01:56**
